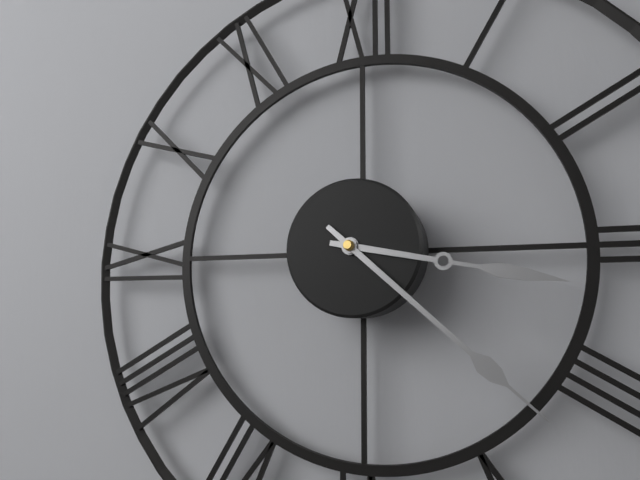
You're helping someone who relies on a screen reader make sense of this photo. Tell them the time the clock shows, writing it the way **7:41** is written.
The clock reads **3:22**
